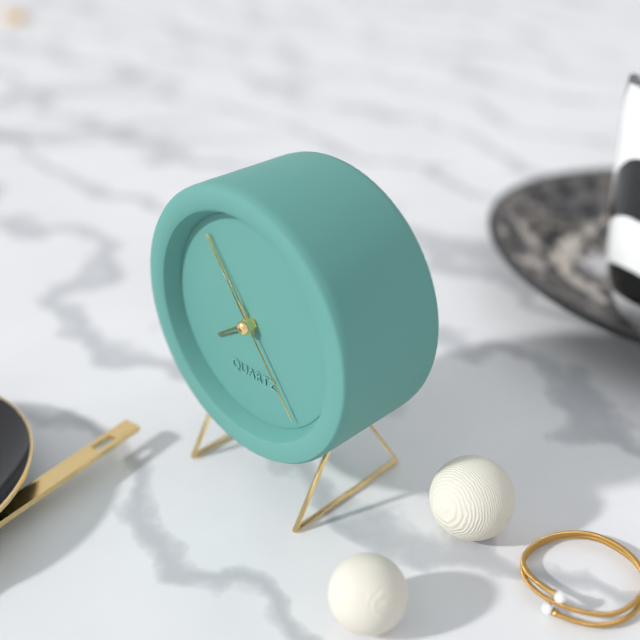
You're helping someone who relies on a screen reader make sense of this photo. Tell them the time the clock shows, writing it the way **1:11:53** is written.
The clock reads **7:54:24**
